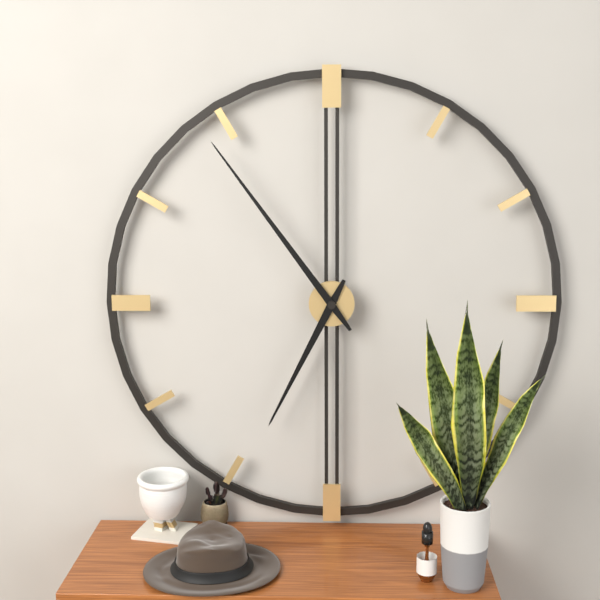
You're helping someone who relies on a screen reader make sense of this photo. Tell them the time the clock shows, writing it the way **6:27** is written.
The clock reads **6:54**
